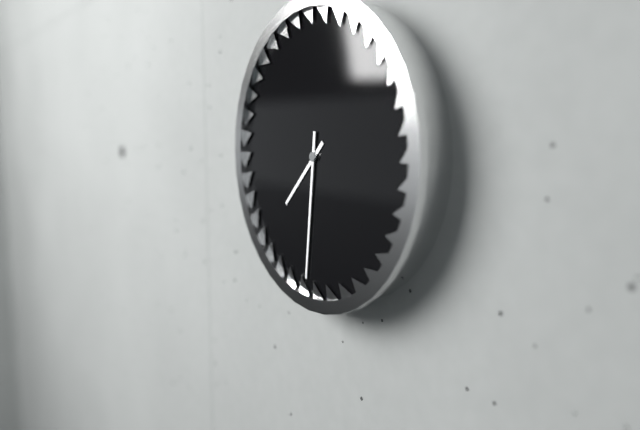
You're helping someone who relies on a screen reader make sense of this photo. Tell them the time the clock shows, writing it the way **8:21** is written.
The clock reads **7:31**
